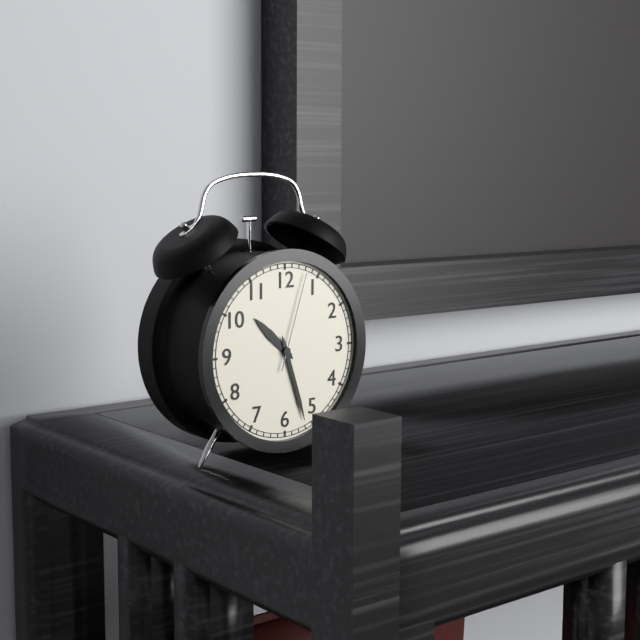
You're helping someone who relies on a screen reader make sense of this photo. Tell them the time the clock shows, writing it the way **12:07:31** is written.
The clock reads **10:27:03**
